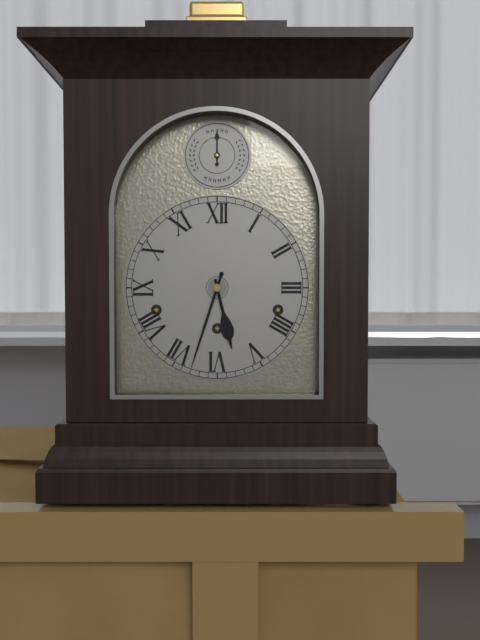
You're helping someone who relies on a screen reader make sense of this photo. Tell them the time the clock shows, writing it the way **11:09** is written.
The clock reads **5:33**
